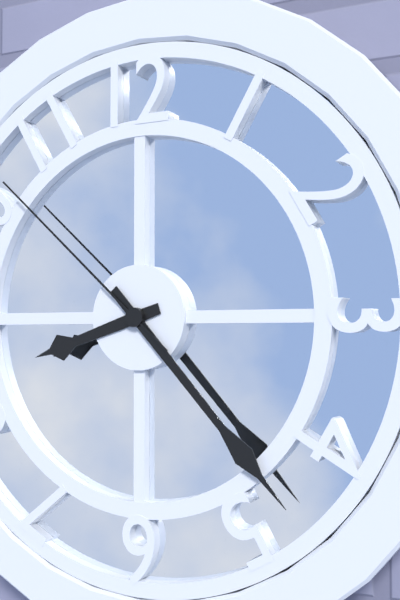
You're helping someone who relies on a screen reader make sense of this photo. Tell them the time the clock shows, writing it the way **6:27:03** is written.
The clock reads **8:23:52**
